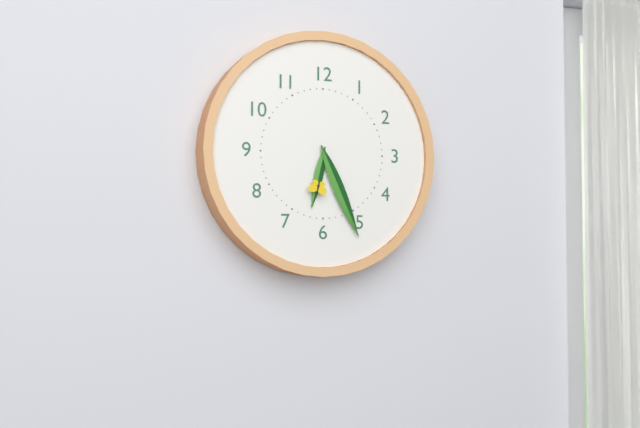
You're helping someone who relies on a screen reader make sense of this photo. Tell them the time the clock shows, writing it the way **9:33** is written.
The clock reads **6:26**
